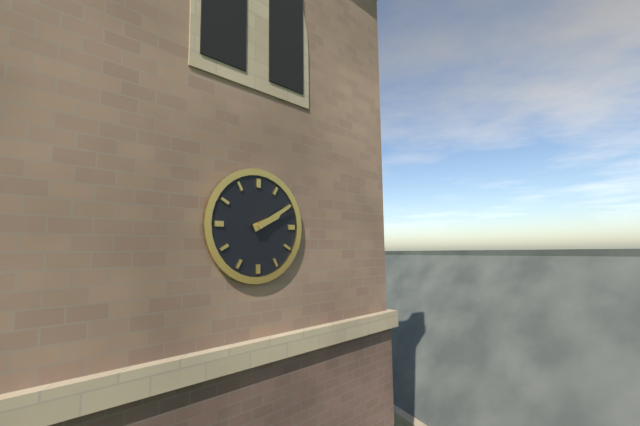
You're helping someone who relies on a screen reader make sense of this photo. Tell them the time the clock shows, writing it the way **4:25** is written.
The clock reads **2:10**
